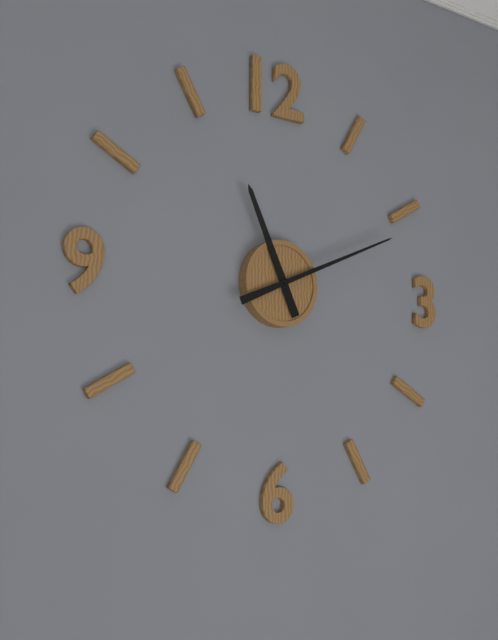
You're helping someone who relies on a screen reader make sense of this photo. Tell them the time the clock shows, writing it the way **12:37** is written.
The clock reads **11:11**
